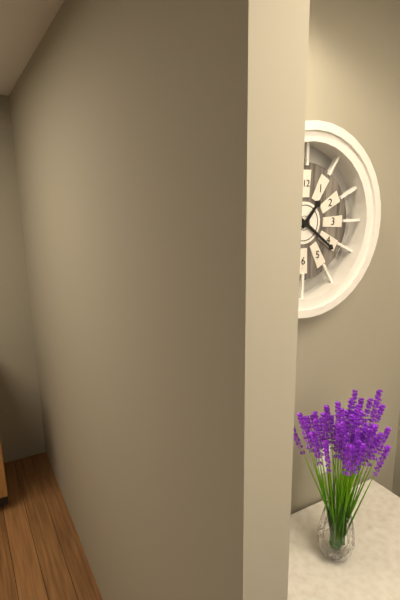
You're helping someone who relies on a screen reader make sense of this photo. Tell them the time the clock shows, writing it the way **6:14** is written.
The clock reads **1:21**
